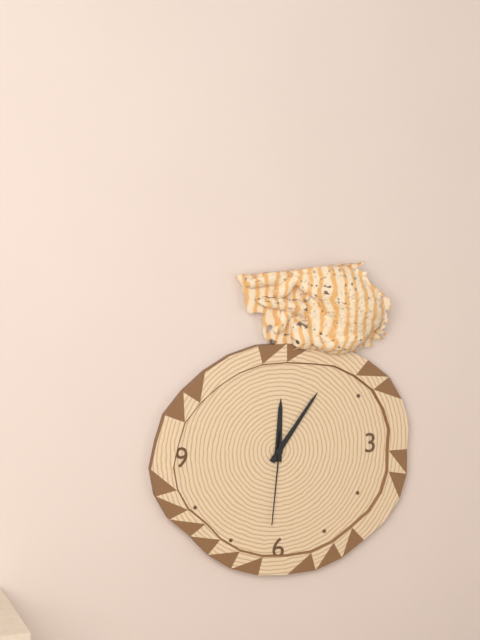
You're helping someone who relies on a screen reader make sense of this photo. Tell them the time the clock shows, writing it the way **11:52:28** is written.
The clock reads **12:06:31**
